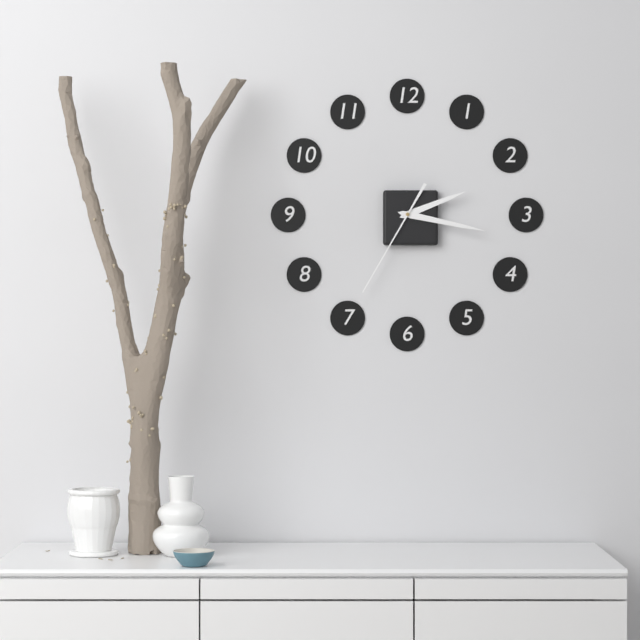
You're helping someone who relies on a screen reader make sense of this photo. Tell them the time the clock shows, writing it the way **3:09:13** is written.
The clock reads **2:17:35**
